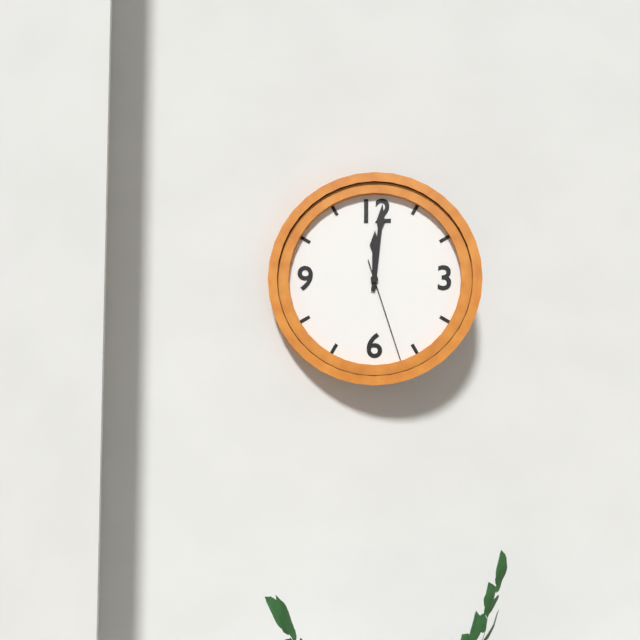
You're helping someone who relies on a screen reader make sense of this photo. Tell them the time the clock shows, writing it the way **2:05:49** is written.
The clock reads **12:01:27**
